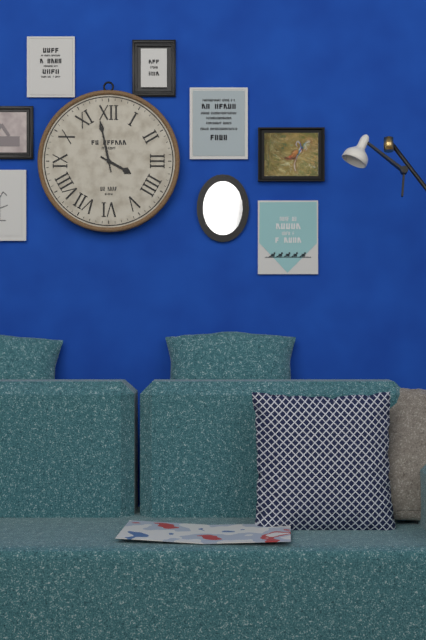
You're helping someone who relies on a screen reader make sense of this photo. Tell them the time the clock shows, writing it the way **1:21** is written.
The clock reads **3:58**
